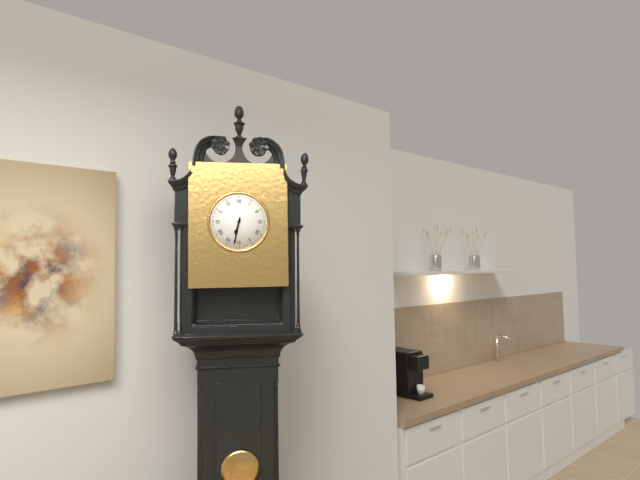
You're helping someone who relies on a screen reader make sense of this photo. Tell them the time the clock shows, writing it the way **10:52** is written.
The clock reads **6:32**
